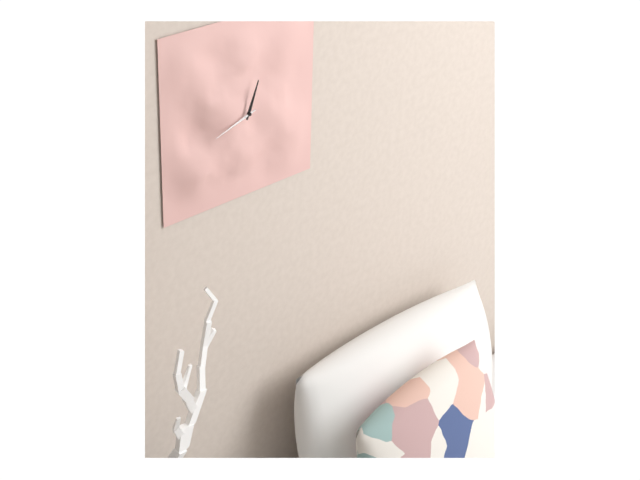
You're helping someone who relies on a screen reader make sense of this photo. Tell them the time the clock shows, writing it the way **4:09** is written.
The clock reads **12:42**
